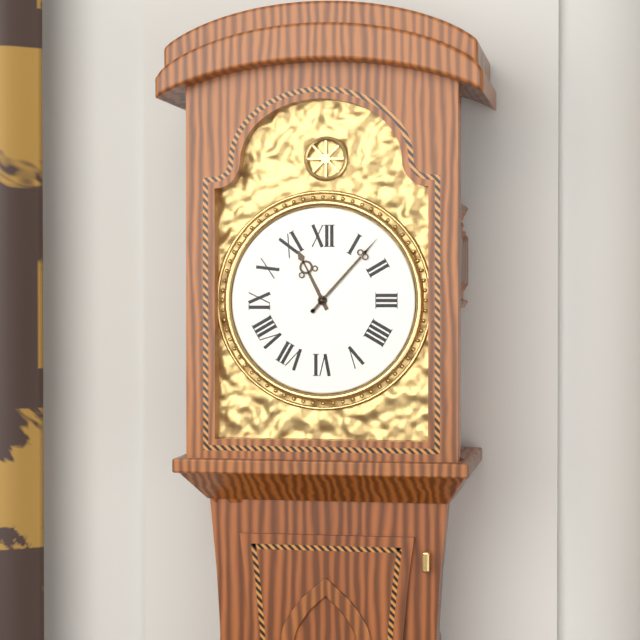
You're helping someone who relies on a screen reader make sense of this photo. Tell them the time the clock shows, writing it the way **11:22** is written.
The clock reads **11:07**
